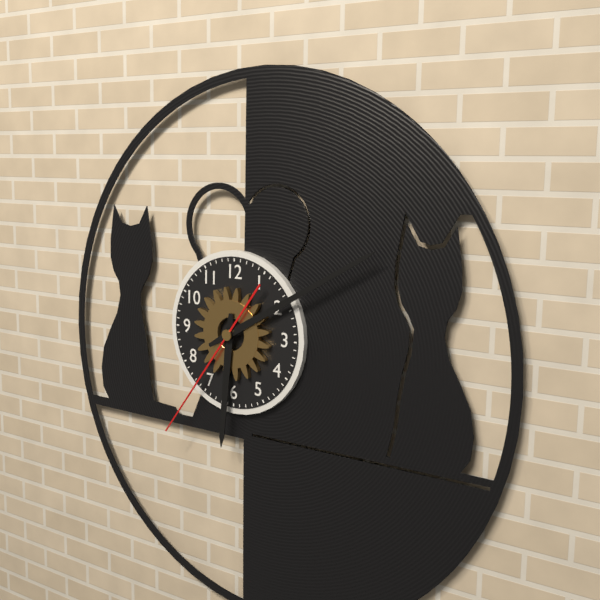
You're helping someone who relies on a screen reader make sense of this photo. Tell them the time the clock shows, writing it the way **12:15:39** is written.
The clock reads **6:10:36**
